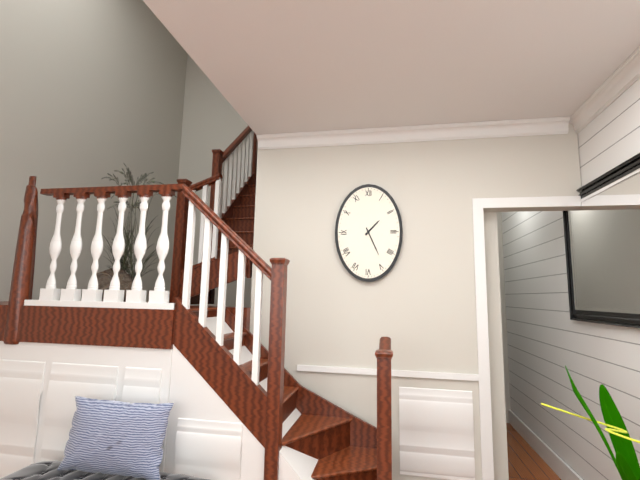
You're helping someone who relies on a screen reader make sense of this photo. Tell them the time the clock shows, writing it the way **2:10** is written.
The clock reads **1:26**
